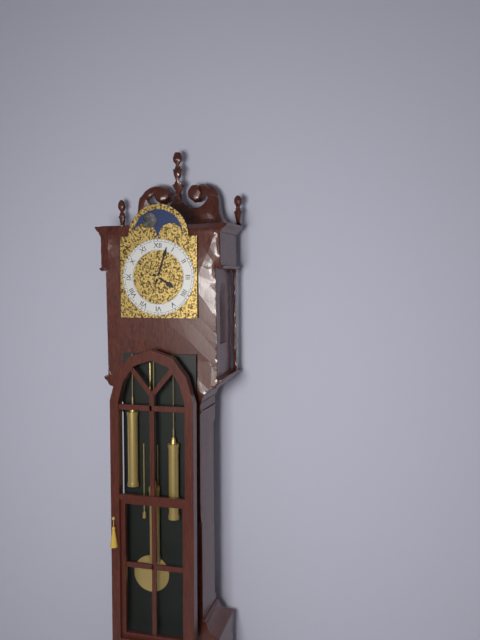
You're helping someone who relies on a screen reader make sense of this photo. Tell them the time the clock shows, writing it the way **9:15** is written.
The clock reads **4:03**
